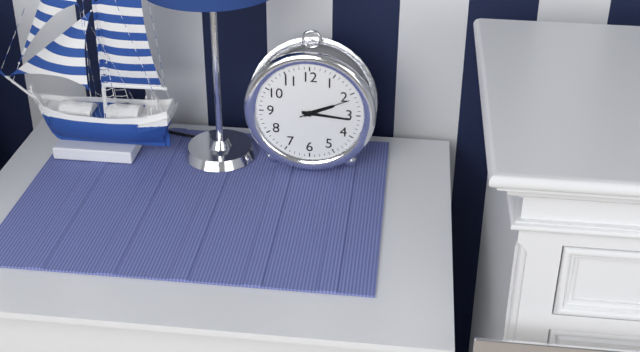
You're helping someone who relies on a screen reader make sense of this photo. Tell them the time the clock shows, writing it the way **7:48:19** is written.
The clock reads **2:16:11**
